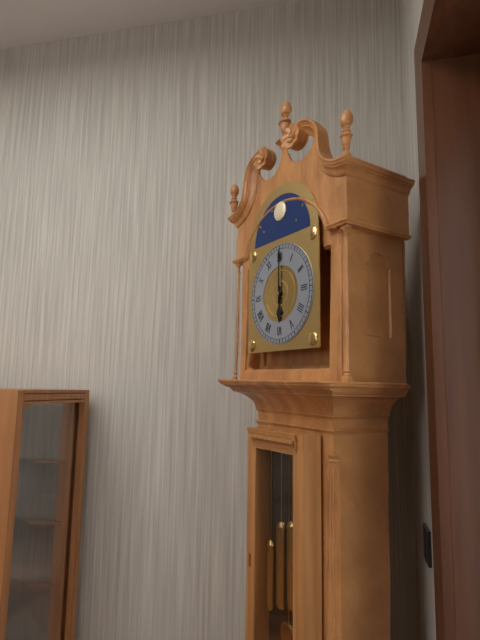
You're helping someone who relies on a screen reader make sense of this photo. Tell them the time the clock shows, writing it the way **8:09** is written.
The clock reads **6:00**
